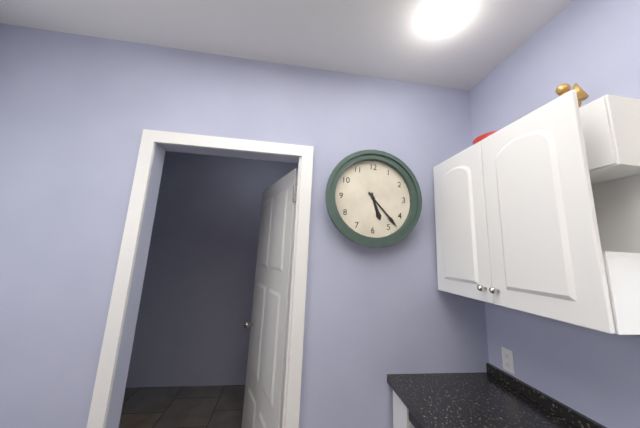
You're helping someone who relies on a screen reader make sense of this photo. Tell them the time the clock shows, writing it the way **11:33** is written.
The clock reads **5:23**
